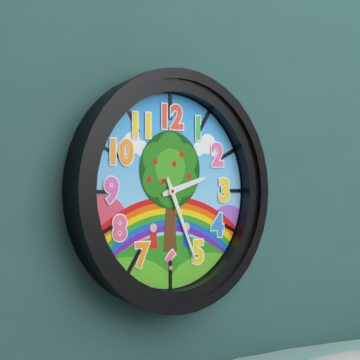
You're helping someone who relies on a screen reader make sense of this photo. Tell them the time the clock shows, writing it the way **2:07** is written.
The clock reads **2:26**
